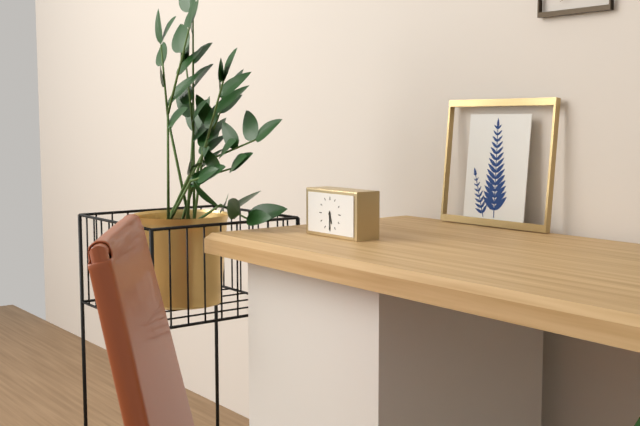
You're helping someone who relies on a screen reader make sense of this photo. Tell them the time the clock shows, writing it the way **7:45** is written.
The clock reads **5:30**
